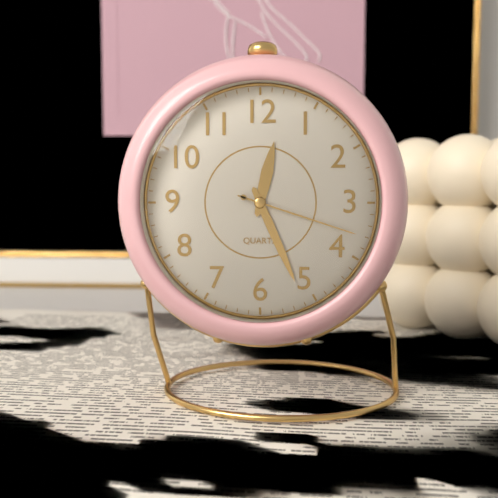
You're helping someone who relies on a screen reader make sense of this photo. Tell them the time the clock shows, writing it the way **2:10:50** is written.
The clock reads **12:26:18**
